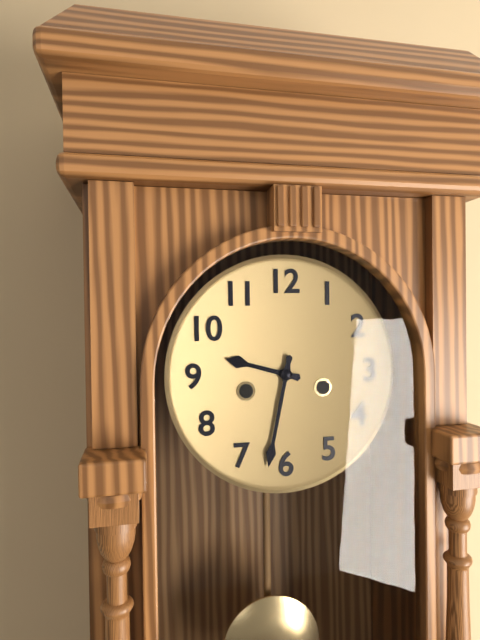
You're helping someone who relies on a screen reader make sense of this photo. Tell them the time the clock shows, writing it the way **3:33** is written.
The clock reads **9:32**
